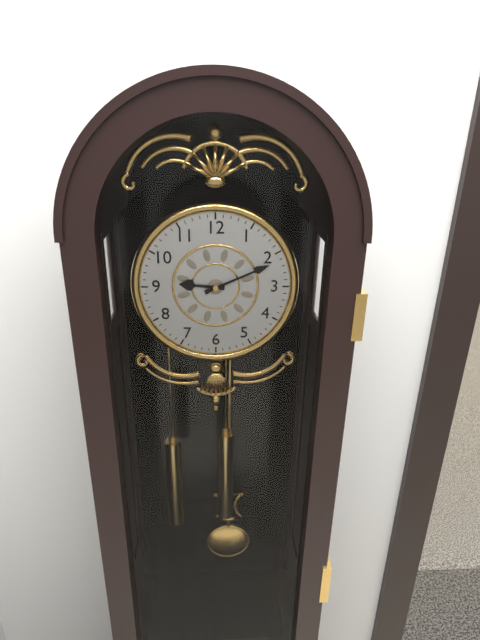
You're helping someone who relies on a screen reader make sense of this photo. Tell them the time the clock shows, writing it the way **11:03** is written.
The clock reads **9:11**
